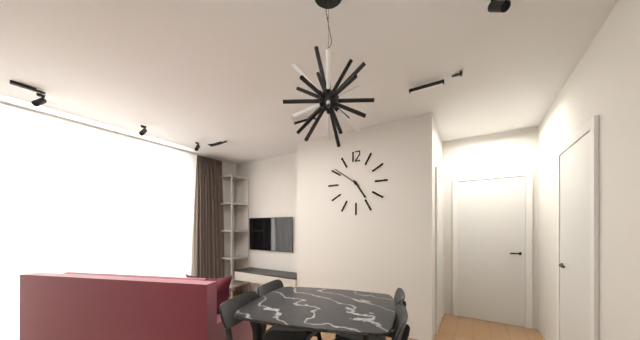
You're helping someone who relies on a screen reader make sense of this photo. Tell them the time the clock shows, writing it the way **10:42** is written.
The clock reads **4:51**
